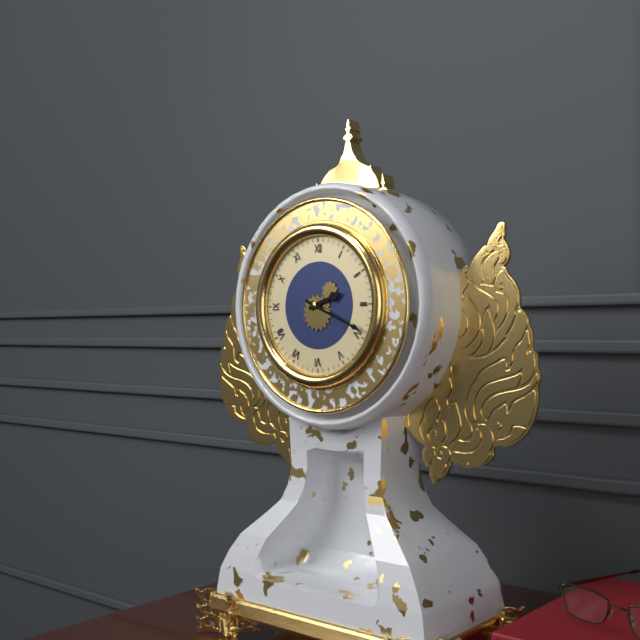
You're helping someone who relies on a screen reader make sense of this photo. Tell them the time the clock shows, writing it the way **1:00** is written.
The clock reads **2:19**
